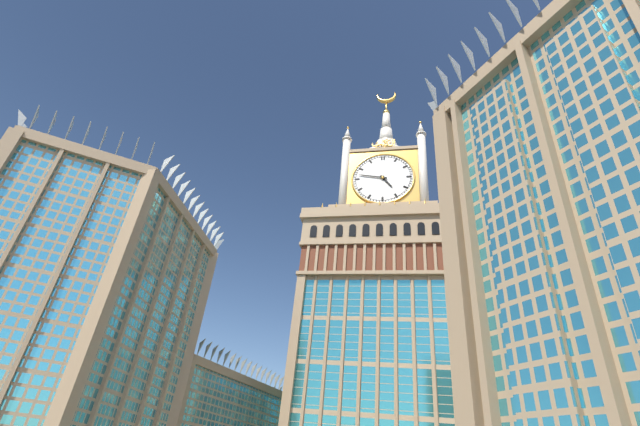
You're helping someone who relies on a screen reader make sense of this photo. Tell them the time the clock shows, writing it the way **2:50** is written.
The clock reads **4:47**
